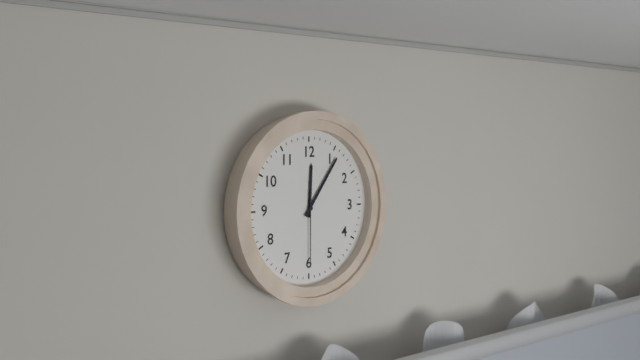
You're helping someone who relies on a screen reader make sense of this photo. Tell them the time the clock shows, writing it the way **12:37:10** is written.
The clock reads **12:06:30**
